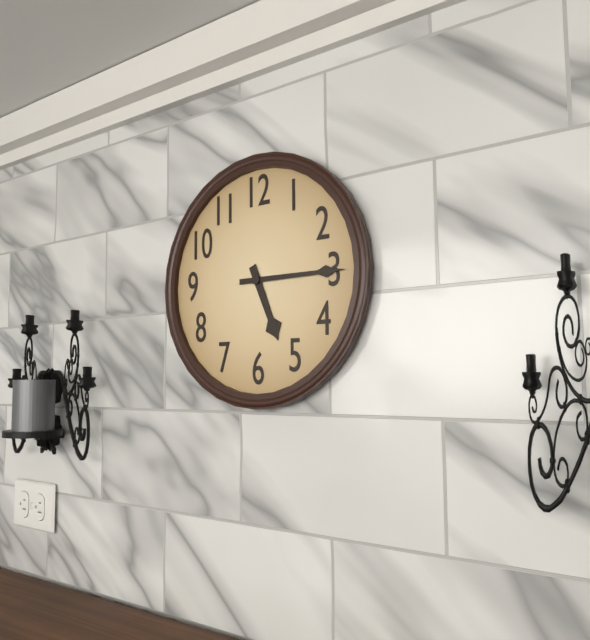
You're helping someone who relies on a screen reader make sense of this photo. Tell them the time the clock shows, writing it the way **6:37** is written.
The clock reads **5:15**
